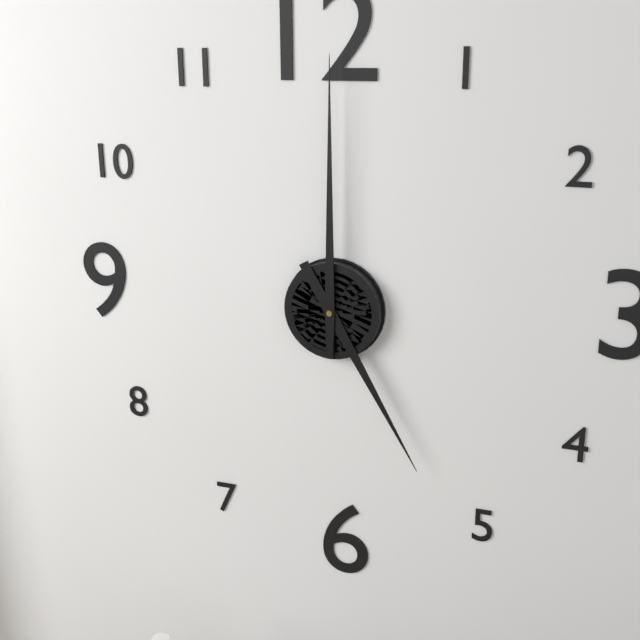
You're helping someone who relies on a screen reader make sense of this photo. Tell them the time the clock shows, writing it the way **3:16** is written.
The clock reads **5:00**
